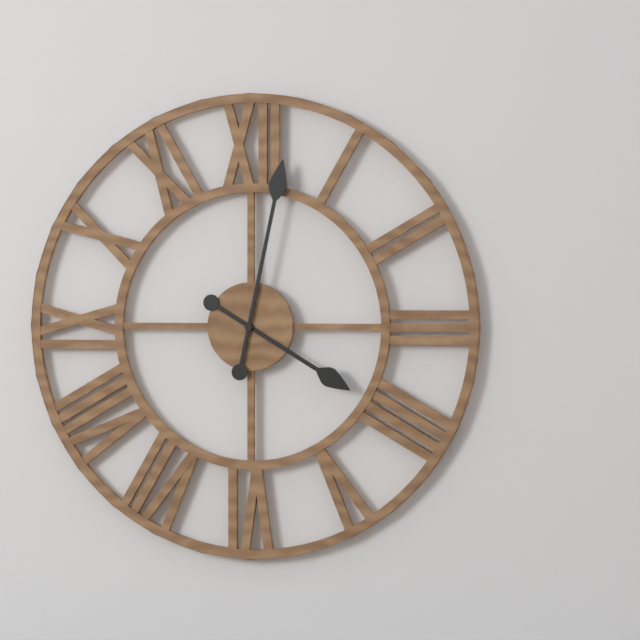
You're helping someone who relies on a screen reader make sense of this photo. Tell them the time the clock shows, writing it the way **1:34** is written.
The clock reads **4:02**
